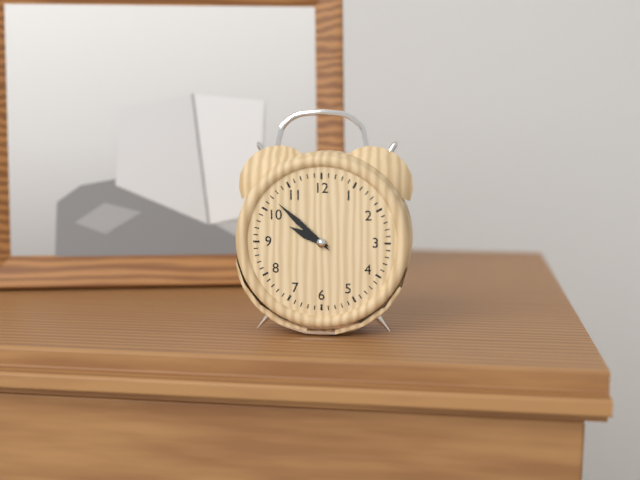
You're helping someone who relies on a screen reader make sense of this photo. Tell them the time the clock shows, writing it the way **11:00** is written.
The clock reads **9:52**
